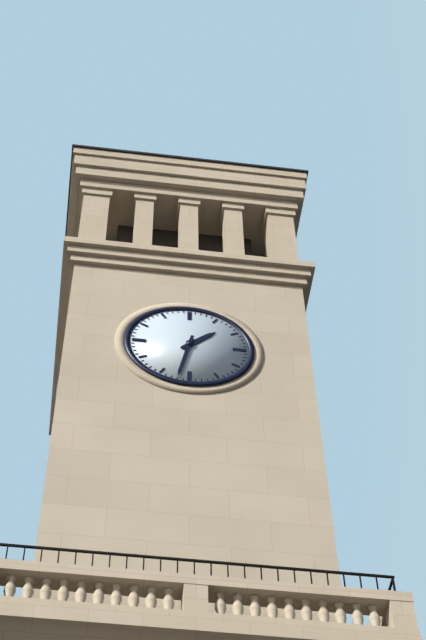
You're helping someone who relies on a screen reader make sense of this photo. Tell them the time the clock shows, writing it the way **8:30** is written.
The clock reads **1:32**
